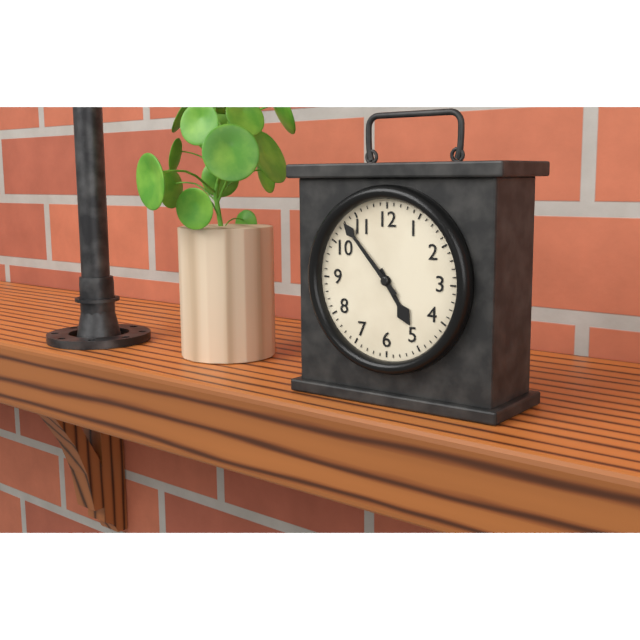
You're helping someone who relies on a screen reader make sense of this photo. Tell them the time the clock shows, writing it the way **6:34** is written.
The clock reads **4:53**
